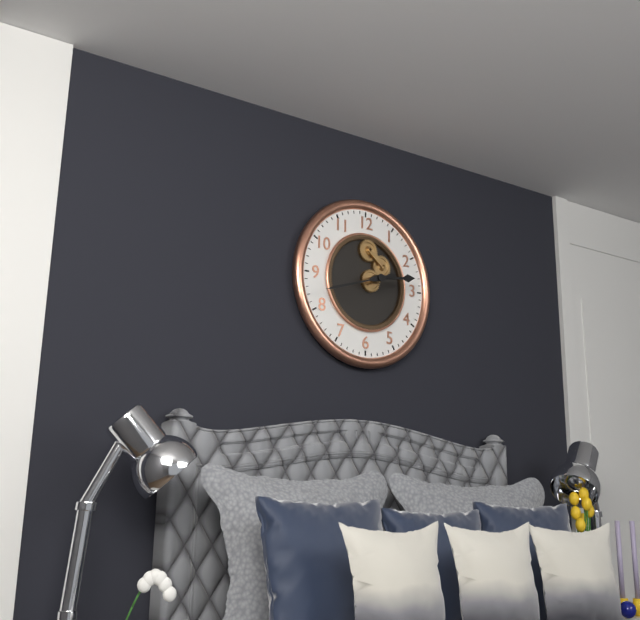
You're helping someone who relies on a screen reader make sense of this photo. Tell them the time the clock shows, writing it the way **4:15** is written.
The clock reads **2:42**
